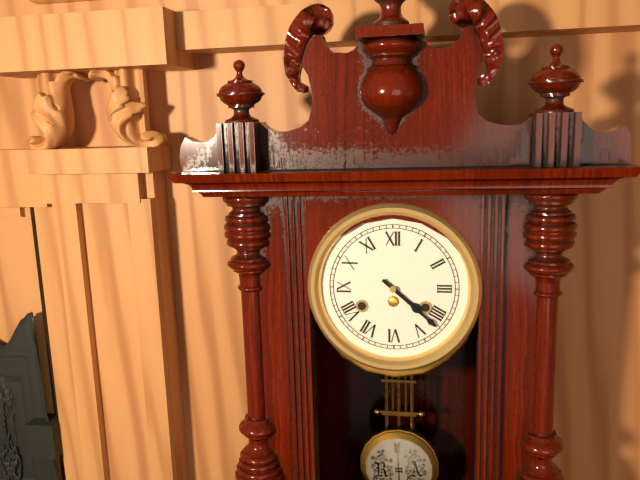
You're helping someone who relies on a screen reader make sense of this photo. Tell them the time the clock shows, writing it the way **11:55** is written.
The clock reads **4:22**
